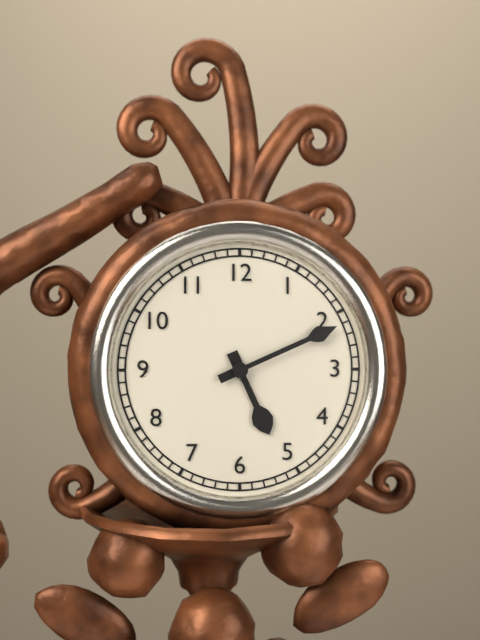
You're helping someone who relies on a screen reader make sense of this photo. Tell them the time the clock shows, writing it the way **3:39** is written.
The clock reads **5:11**
